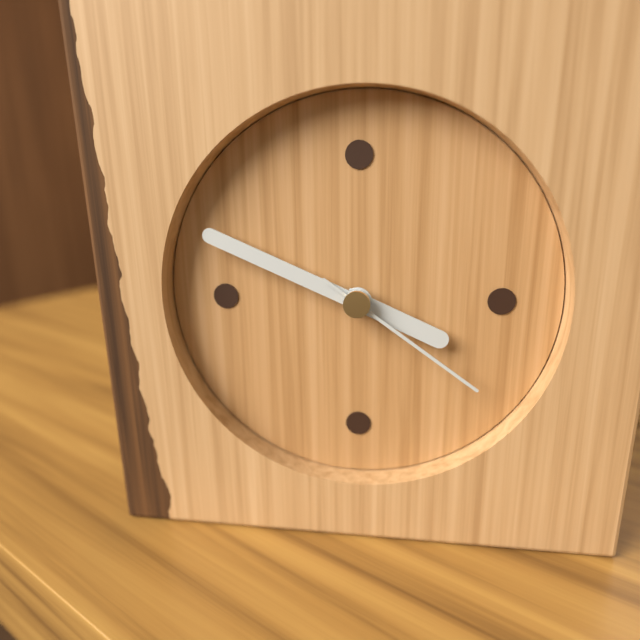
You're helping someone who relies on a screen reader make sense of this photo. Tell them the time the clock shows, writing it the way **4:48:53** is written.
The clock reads **3:49:21**
